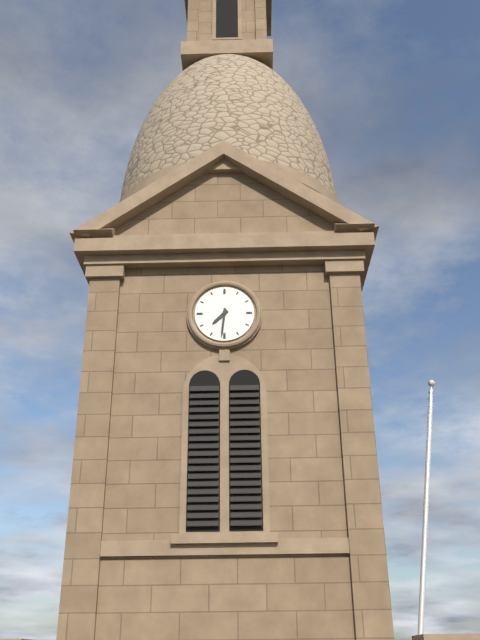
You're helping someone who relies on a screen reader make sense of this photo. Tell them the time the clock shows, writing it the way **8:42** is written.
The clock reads **7:31**
